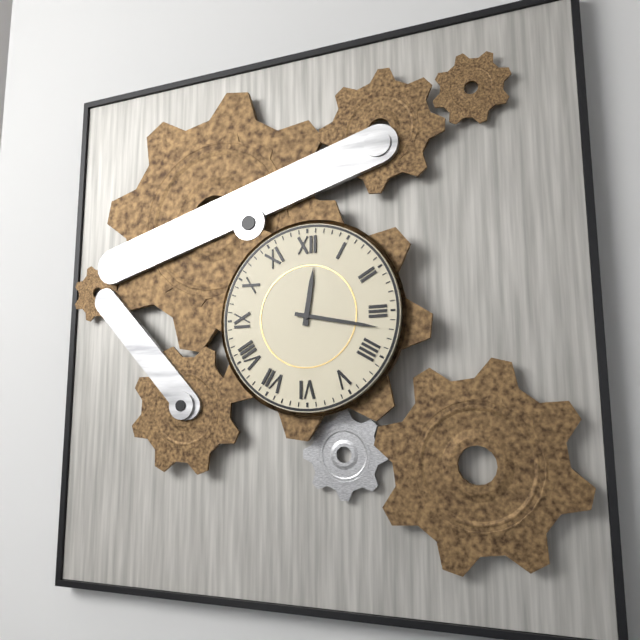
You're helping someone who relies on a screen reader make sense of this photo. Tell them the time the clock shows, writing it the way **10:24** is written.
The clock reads **12:17**
